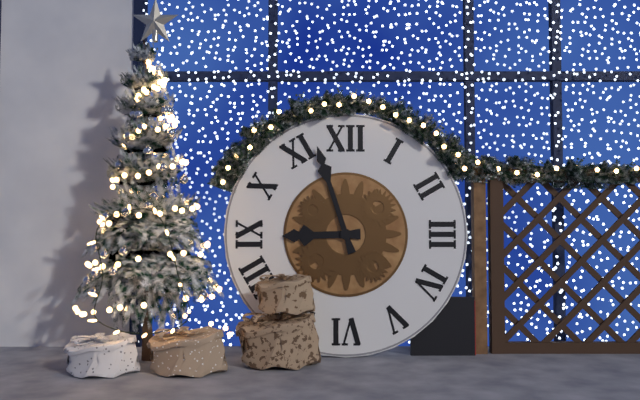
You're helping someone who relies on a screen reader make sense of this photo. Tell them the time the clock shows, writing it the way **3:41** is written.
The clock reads **8:57**
